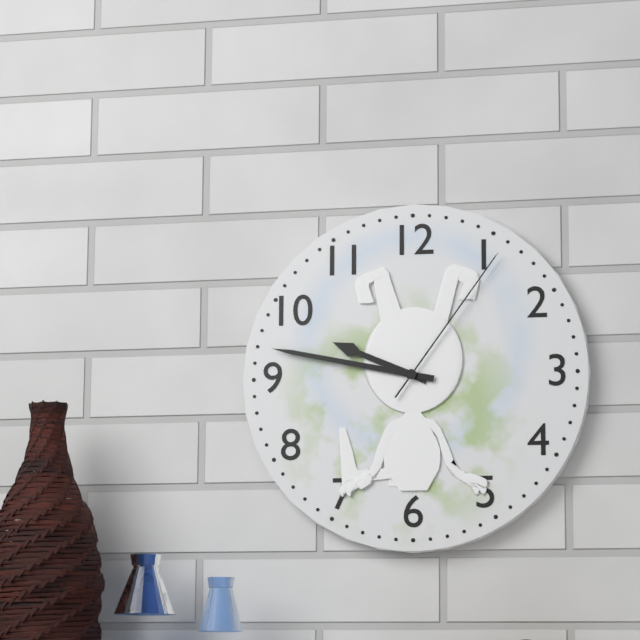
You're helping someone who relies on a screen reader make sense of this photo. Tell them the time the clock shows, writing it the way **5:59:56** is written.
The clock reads **9:47:06**
